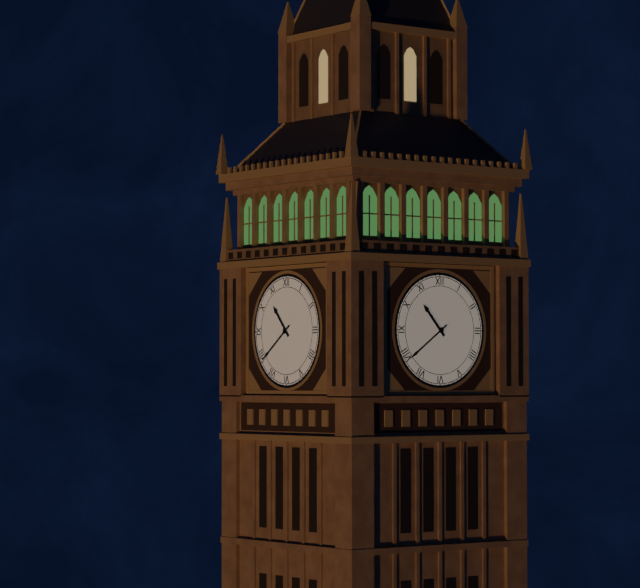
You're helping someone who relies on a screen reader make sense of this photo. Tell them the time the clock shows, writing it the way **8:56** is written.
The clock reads **10:39**
